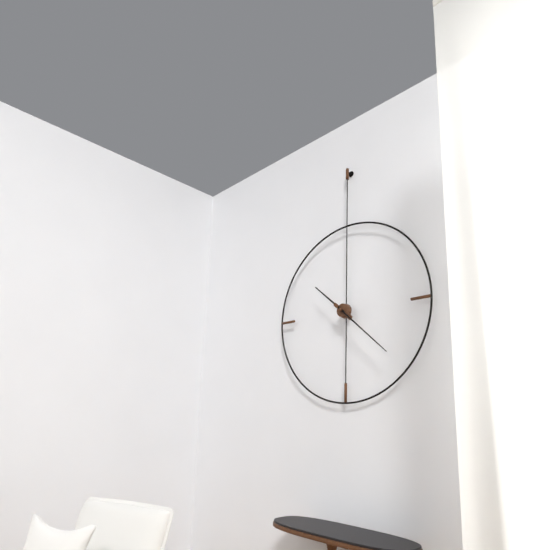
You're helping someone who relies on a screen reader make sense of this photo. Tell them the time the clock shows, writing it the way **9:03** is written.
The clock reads **10:22**
